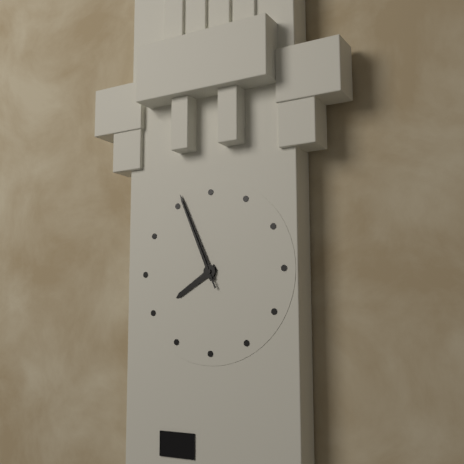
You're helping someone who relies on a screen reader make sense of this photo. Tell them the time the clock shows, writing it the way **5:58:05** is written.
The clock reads **7:56:56**
